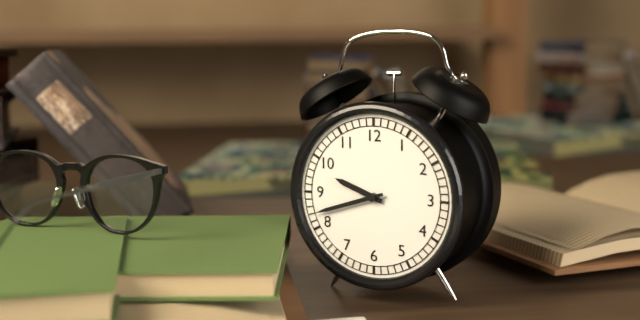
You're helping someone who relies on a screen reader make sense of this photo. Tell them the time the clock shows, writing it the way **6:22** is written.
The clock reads **9:42**
